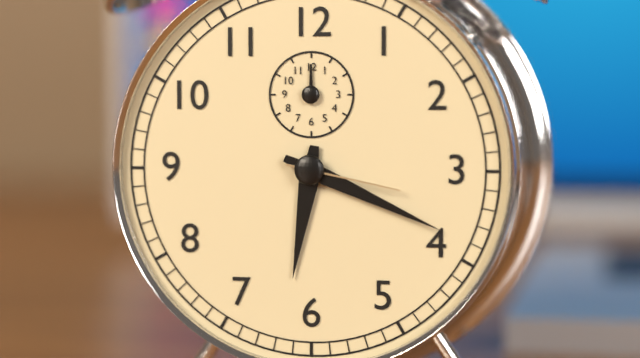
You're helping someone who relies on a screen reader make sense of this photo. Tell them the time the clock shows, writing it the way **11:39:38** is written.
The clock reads **6:19:17**
